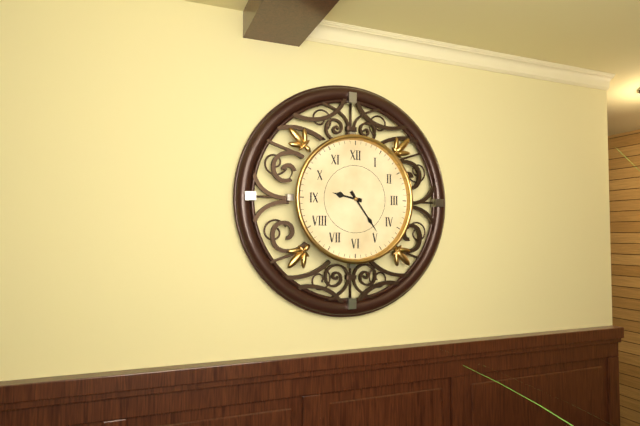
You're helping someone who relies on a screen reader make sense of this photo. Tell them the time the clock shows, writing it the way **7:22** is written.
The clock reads **9:24**
